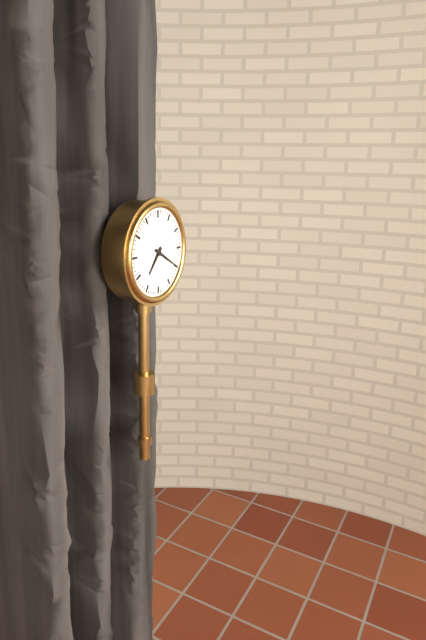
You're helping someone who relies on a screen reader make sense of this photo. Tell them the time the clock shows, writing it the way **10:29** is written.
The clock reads **7:20**
